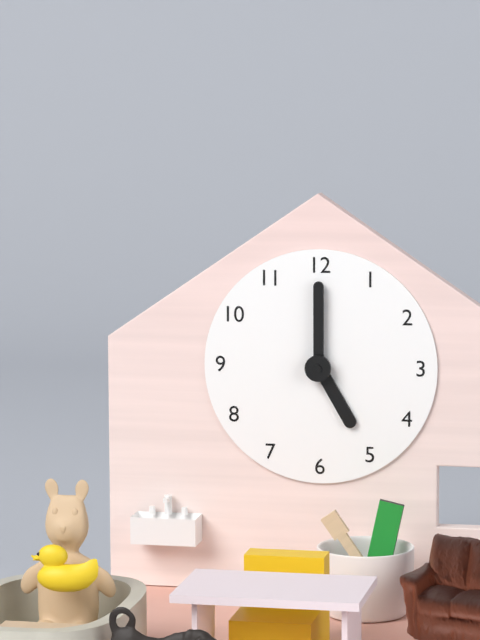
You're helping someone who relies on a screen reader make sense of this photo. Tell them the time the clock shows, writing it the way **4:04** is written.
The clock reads **5:00**
